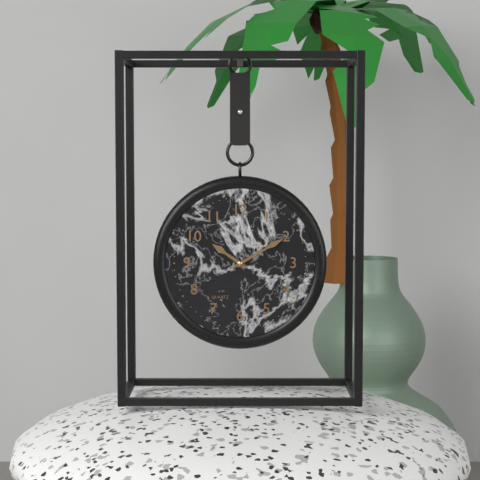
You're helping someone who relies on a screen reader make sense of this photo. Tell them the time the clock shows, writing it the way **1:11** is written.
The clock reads **10:10**
